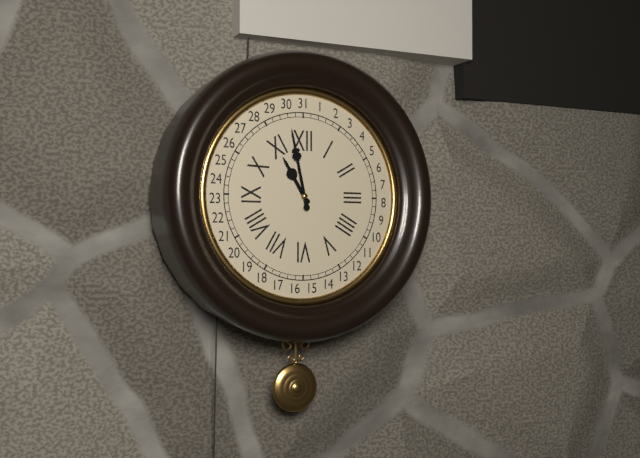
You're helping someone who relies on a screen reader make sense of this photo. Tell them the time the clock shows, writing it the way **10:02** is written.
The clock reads **10:58**
